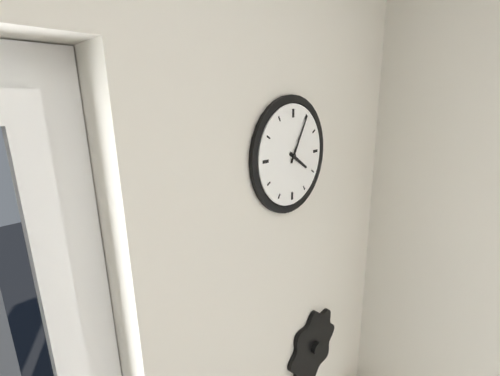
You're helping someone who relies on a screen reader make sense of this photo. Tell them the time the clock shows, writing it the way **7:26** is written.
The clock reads **4:05**
